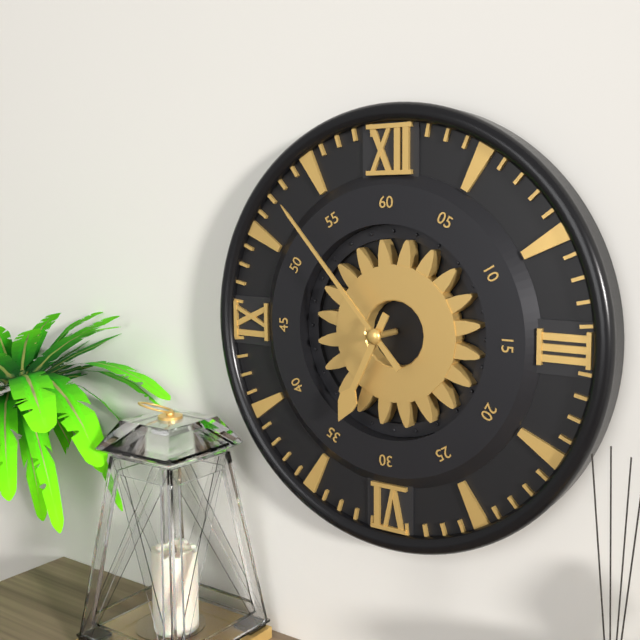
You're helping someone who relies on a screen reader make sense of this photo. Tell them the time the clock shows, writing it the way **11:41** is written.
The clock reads **6:53**
